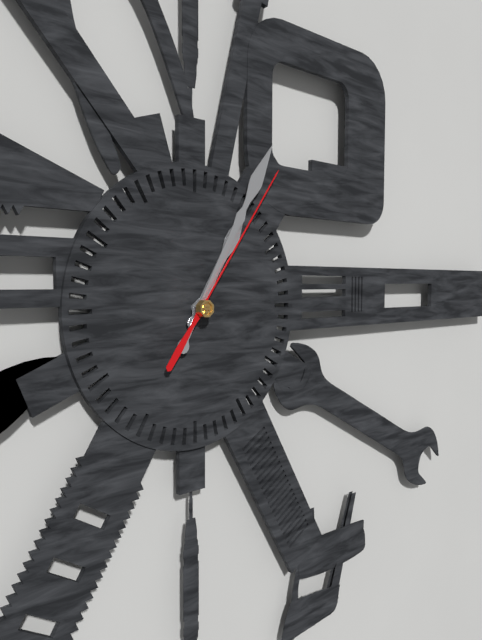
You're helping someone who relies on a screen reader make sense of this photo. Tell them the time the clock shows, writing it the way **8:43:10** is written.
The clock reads **1:05:06**
